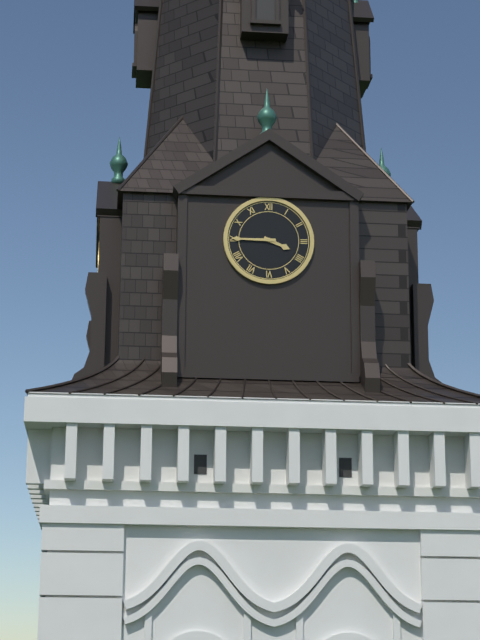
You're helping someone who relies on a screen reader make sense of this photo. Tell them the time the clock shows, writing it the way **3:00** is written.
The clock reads **3:45**
